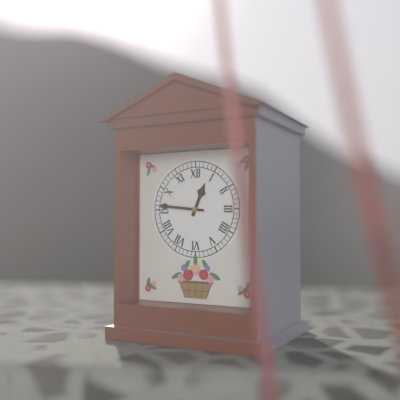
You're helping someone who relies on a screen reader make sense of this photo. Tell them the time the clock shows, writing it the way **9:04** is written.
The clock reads **12:46**
